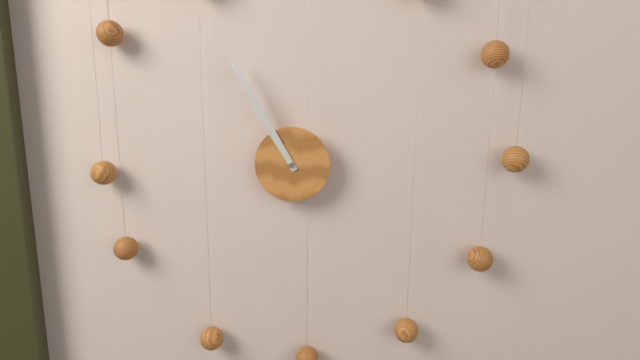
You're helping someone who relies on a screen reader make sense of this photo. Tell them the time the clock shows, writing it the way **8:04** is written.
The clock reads **10:55**
